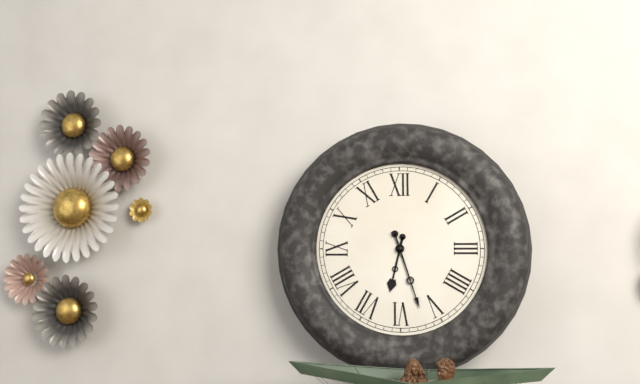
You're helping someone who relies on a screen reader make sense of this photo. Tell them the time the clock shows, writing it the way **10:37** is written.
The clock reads **6:27**
